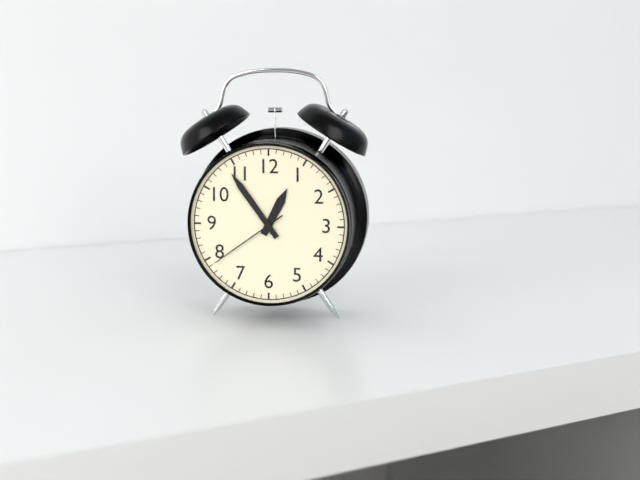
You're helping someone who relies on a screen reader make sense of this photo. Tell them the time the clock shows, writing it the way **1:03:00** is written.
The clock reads **12:54:39**
